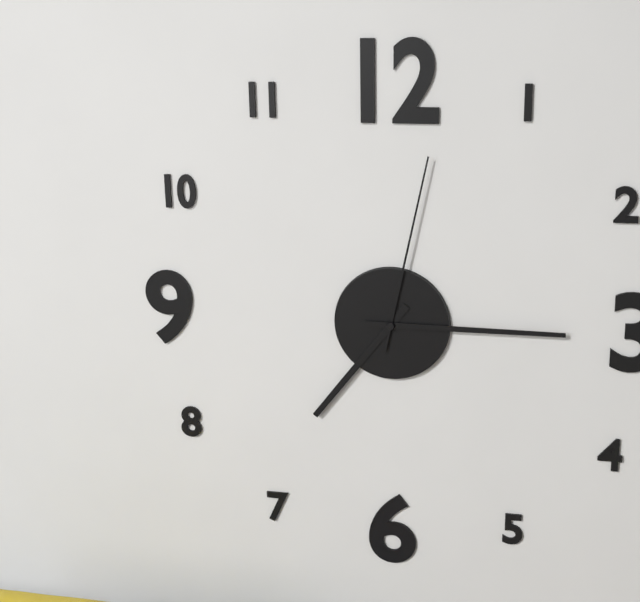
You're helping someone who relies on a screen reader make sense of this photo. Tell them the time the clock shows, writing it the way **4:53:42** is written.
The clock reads **7:15:02**
